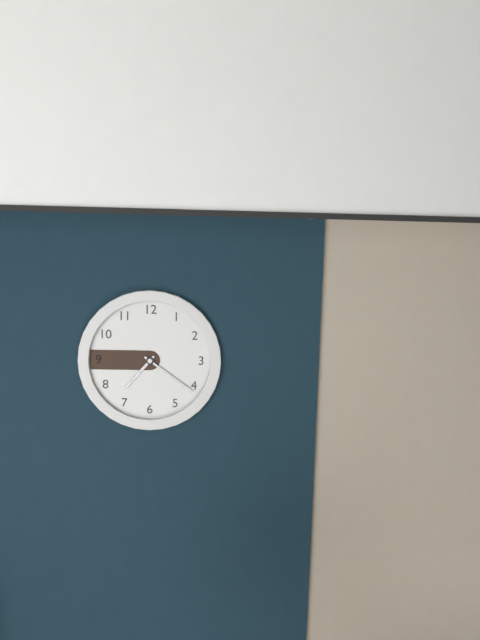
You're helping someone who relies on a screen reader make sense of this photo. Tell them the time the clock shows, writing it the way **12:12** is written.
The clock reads **7:21**
